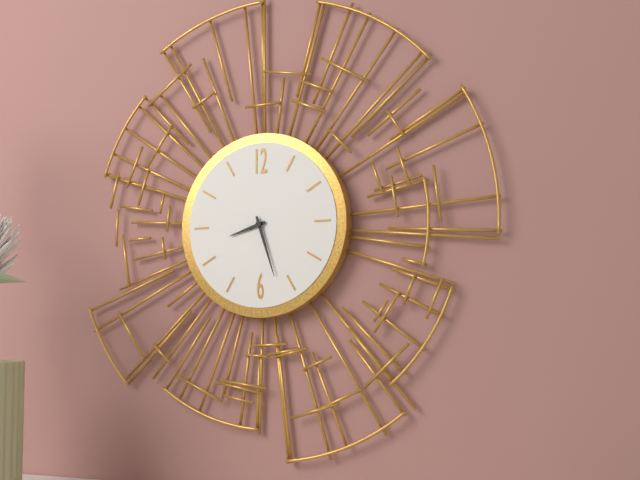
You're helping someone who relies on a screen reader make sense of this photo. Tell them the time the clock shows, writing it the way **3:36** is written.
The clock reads **8:27**
